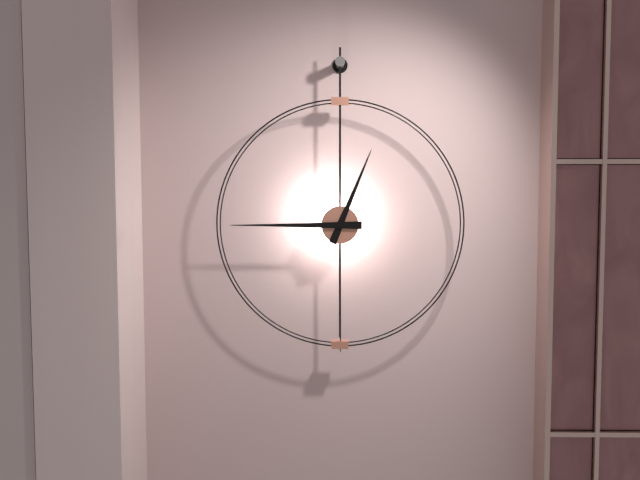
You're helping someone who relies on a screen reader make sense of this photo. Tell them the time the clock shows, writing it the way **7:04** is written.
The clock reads **12:45**
